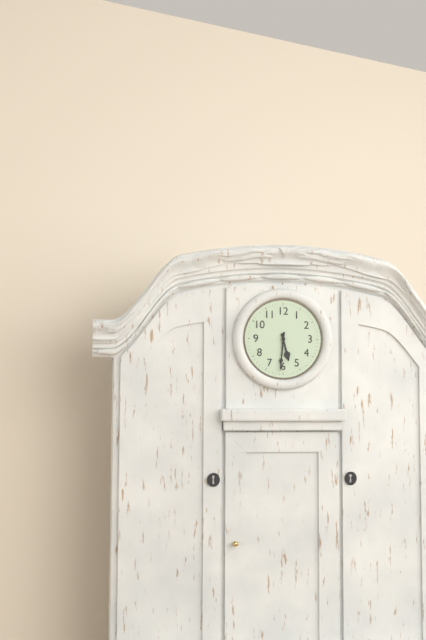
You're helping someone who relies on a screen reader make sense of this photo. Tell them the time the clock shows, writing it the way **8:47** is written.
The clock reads **5:31**
